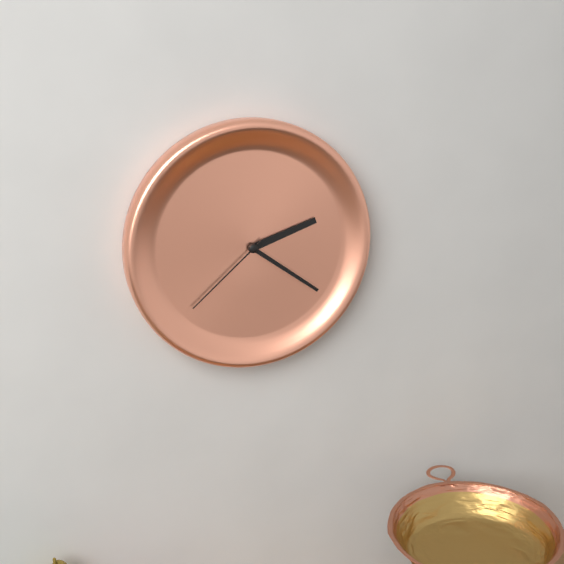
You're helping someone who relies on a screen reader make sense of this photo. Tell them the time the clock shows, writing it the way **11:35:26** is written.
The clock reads **2:21:38**
